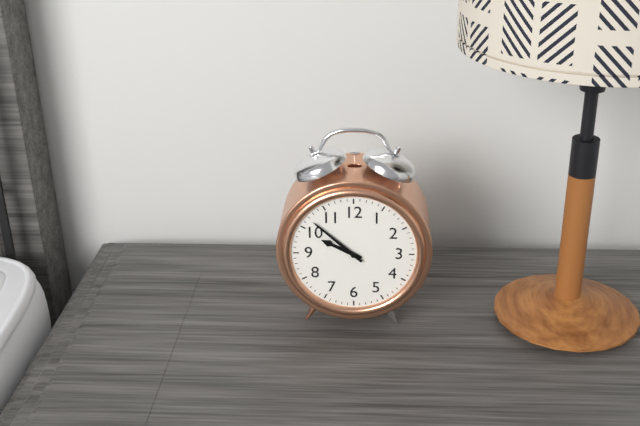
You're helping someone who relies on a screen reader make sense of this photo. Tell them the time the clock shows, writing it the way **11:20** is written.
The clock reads **9:52**
